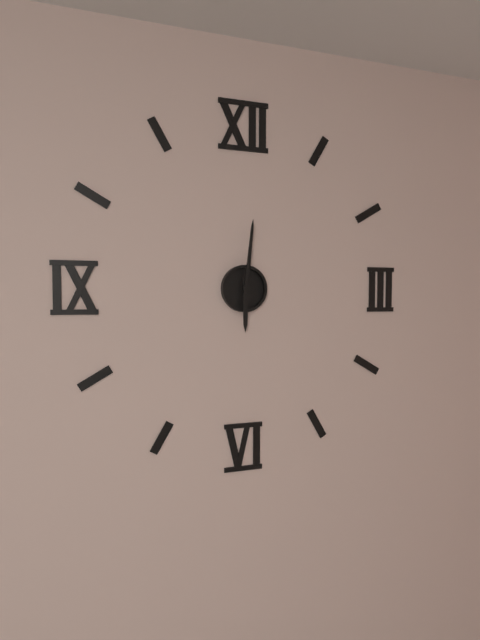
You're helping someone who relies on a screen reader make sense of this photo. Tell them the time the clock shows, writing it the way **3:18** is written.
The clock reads **6:01**
